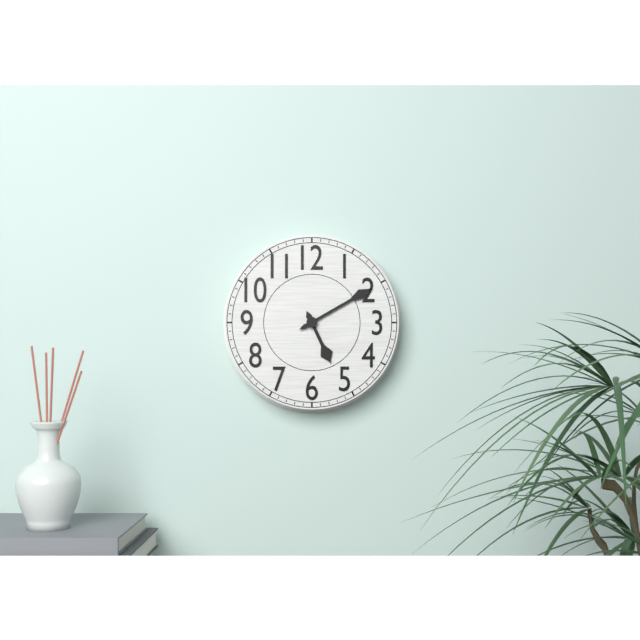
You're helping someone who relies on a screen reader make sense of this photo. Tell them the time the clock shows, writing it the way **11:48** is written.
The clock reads **5:10**
